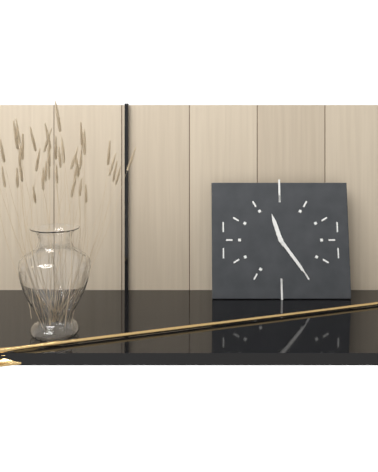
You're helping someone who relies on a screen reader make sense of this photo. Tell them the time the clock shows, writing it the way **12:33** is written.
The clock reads **11:24**
